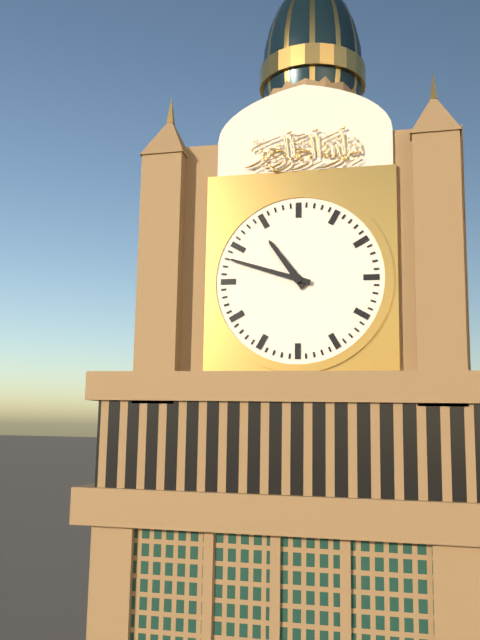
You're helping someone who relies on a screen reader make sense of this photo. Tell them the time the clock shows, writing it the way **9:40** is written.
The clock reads **10:48**
